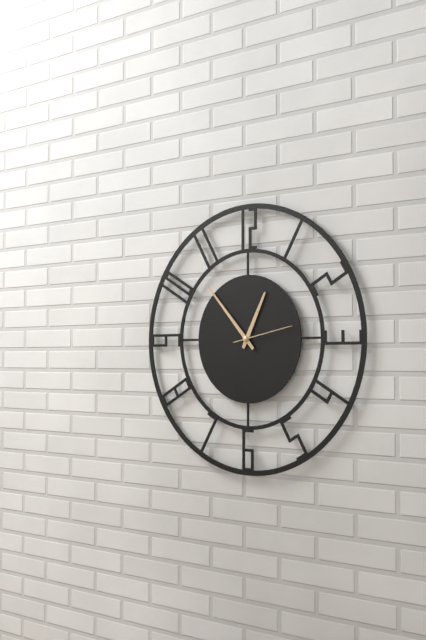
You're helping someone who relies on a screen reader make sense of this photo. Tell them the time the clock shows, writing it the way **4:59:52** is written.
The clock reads **12:53:13**
